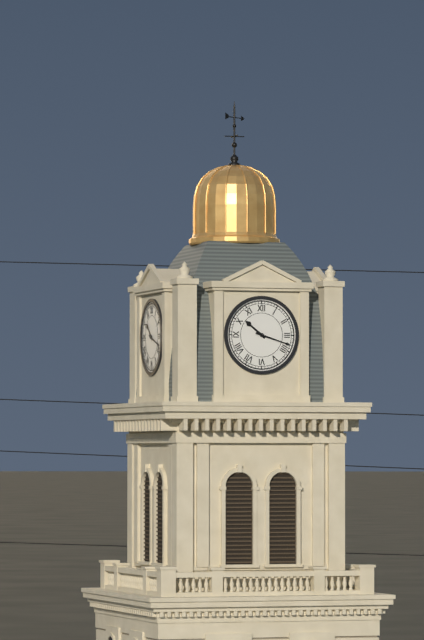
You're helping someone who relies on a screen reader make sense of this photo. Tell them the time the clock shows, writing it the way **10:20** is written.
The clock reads **10:18**
